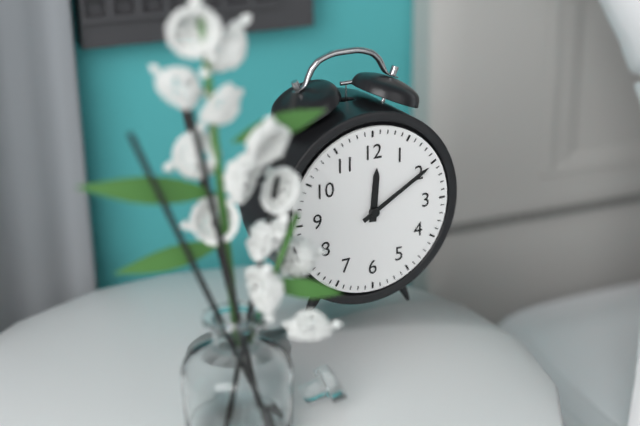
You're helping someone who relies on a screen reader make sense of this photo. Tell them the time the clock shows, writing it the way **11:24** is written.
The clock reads **12:10**
